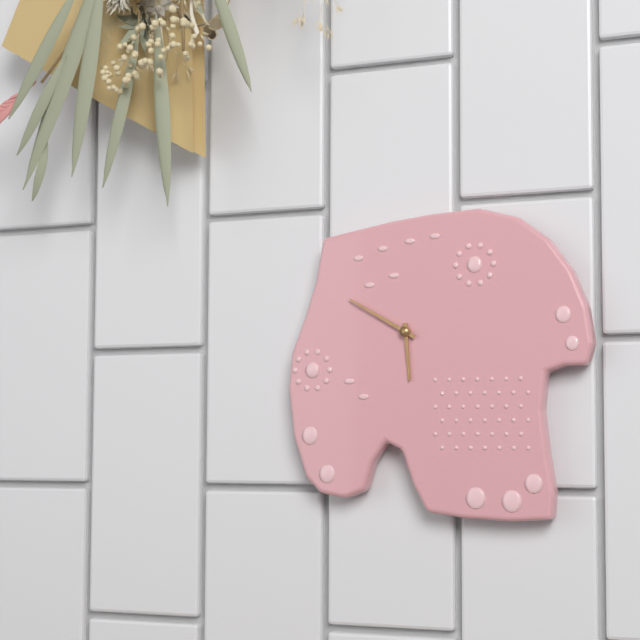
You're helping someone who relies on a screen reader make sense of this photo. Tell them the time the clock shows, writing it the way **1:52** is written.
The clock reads **5:50**
